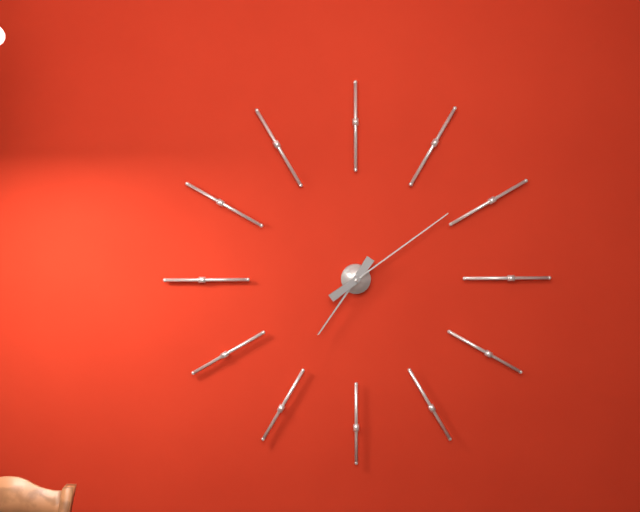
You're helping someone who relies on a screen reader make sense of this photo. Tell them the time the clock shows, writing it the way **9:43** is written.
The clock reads **7:09**
